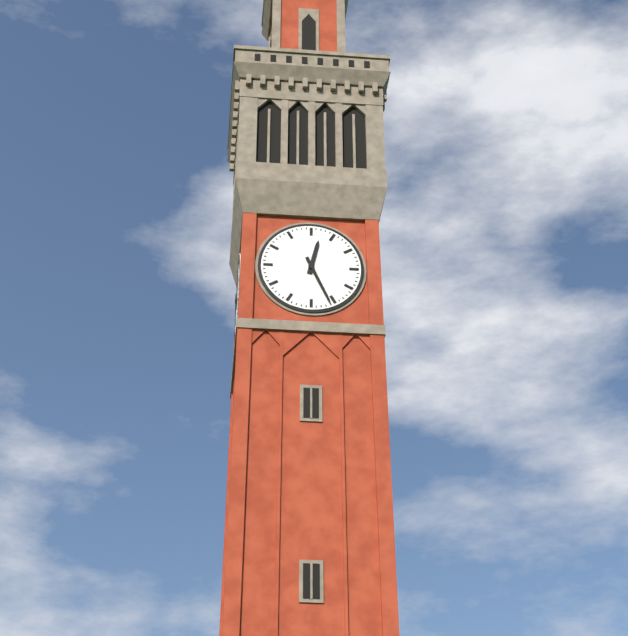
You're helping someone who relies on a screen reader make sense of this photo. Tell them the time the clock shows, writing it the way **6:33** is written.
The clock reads **12:26**
